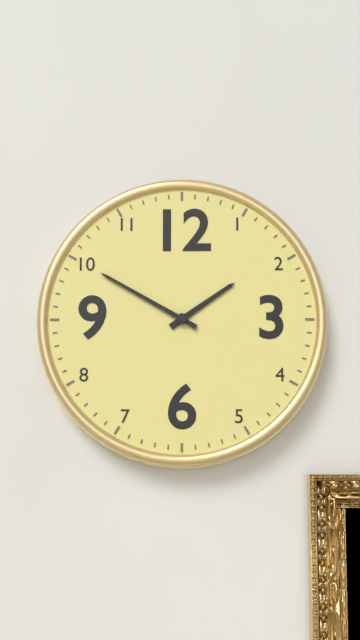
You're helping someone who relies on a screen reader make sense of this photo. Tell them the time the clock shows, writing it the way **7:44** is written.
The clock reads **1:50**
